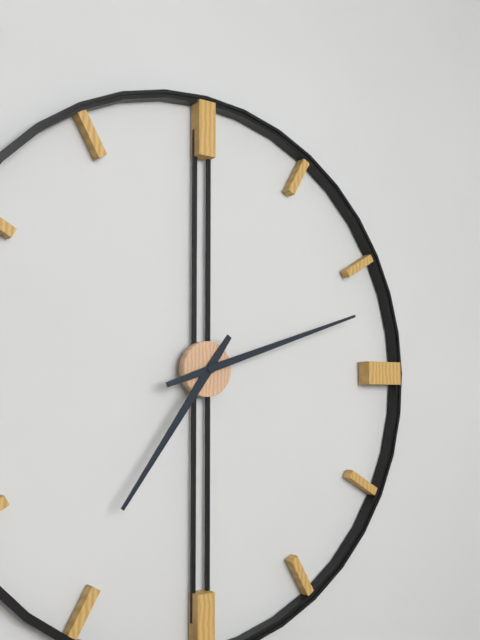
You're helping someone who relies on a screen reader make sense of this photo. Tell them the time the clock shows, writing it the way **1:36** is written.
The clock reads **7:12**
